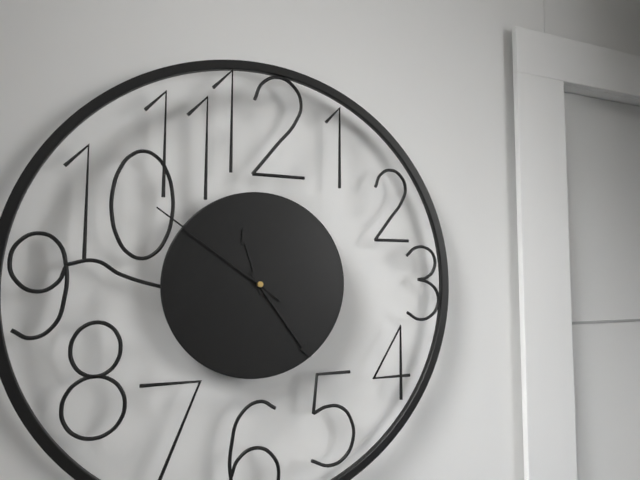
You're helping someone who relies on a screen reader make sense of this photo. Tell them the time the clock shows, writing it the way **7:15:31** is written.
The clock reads **11:24:51**
